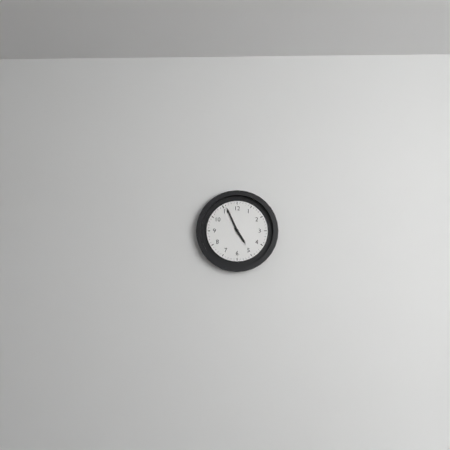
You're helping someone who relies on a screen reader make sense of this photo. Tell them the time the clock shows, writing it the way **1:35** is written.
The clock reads **4:56**
